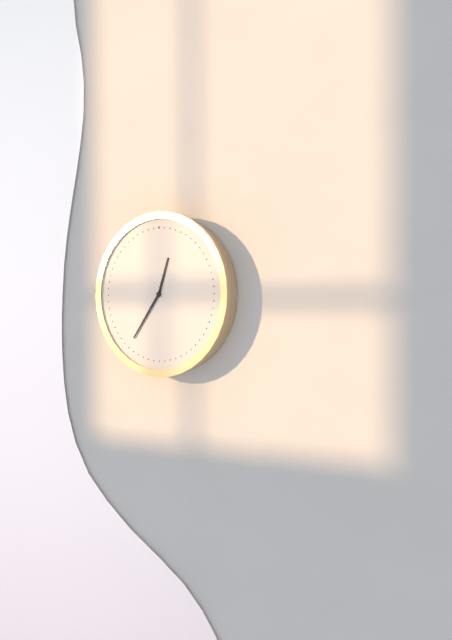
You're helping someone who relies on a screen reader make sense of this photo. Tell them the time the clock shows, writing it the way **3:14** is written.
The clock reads **12:36**
